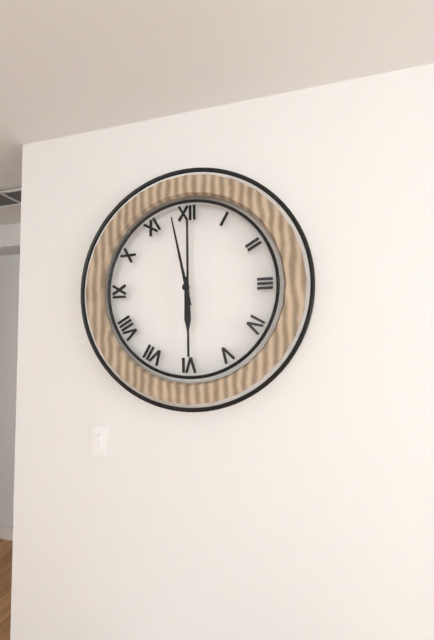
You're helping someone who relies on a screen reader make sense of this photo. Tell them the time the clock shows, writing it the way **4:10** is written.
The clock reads **5:58**
